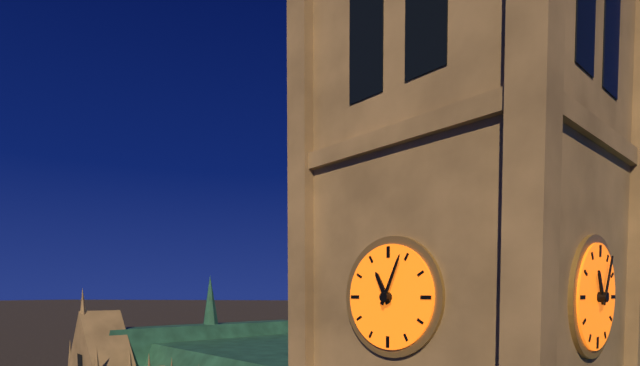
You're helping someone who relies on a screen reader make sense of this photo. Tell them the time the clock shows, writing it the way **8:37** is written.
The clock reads **11:04**
